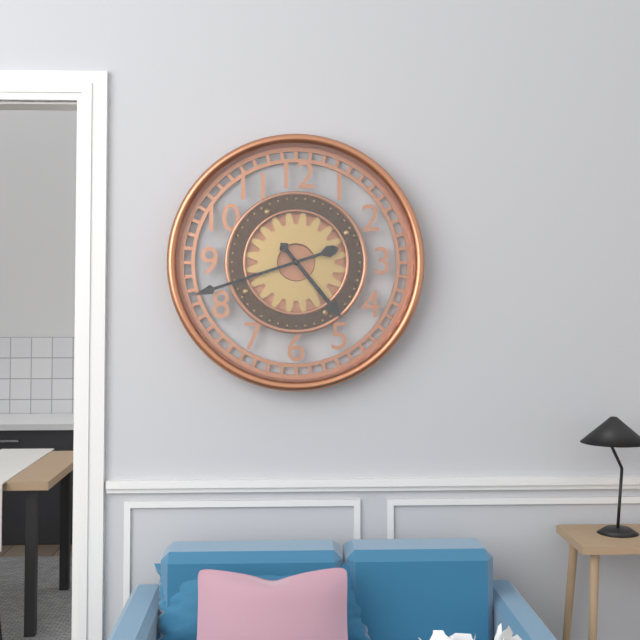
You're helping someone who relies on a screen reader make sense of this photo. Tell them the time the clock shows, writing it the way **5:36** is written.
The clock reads **4:42**
